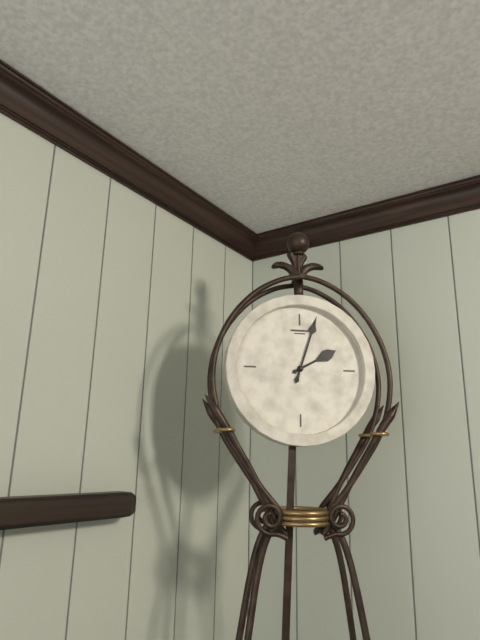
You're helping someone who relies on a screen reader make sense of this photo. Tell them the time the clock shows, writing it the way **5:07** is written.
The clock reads **2:03**
